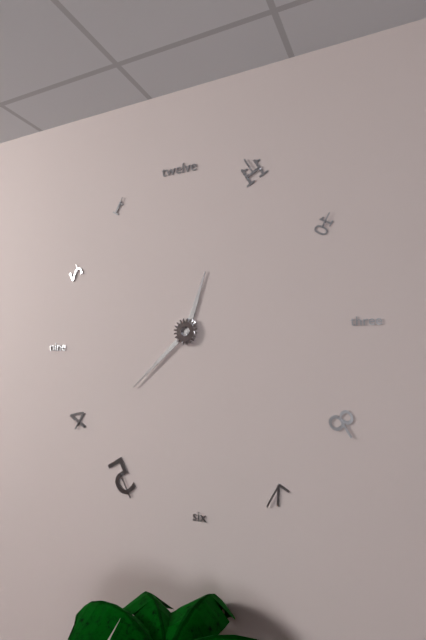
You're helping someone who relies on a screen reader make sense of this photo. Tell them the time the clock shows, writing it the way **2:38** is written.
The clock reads **12:38**
